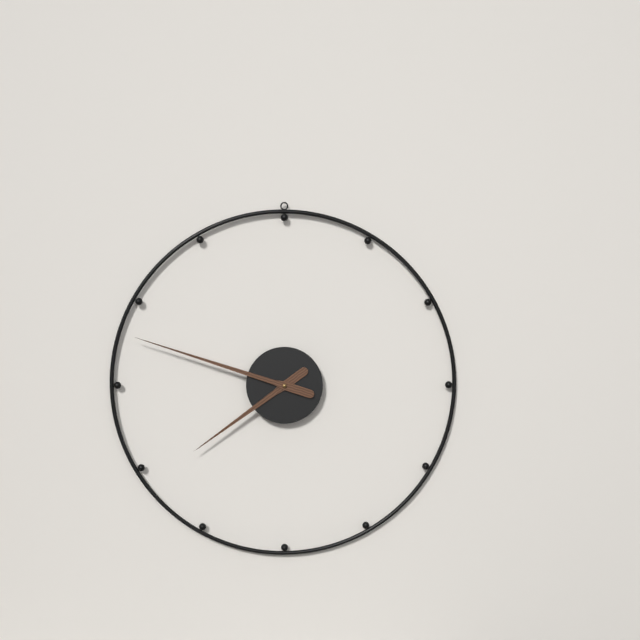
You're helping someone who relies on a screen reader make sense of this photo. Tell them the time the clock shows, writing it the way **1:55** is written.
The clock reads **7:48**
